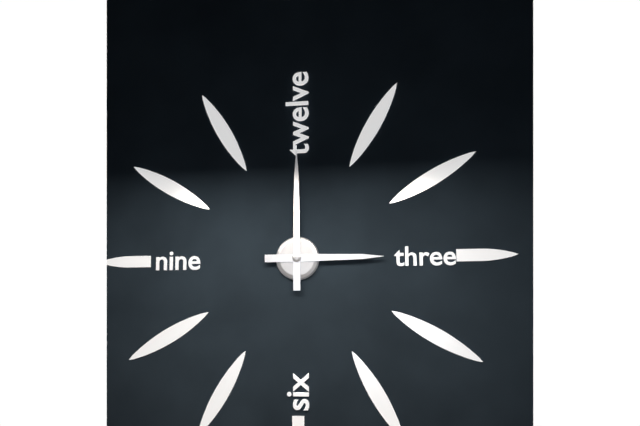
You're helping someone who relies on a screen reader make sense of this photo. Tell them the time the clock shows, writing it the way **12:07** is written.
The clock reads **3:00**
